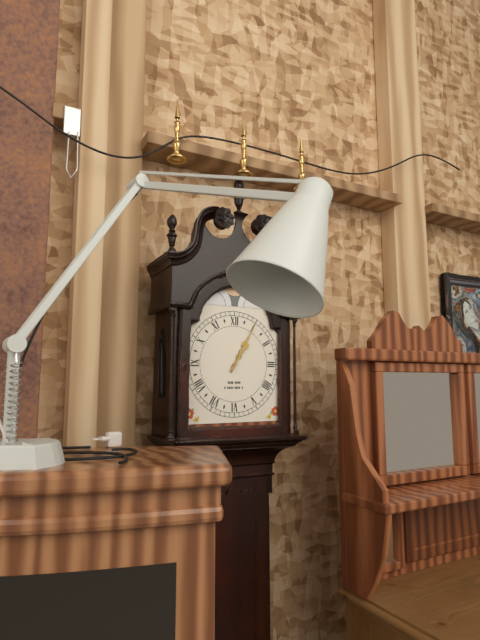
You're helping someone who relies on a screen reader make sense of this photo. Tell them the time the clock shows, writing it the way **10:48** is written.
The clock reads **1:05**
